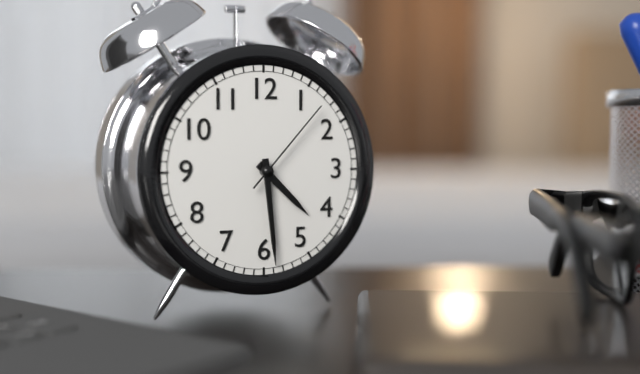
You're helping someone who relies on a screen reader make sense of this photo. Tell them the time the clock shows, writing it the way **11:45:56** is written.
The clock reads **4:29:07**
